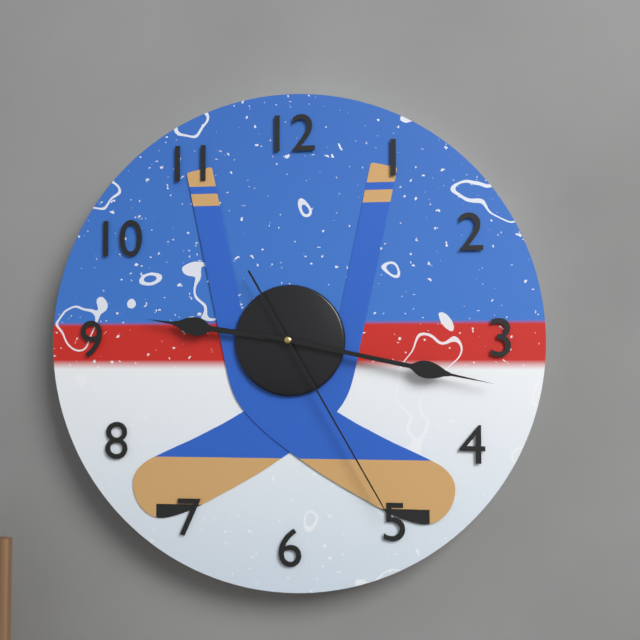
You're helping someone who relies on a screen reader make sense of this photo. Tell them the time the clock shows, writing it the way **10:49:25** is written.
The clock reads **9:17:25**
